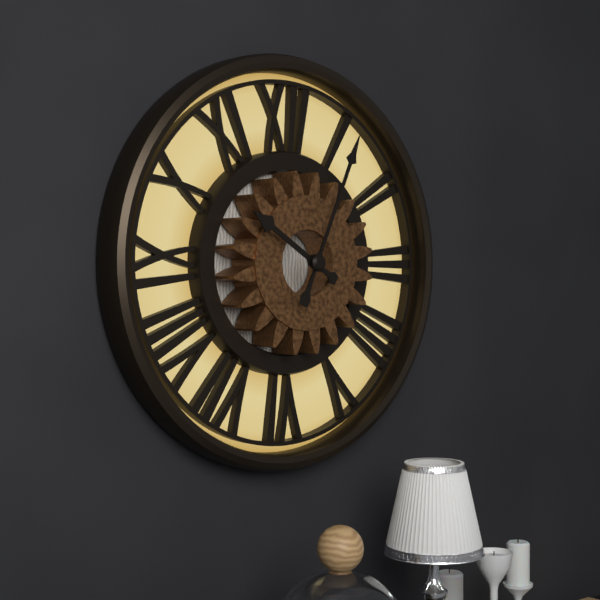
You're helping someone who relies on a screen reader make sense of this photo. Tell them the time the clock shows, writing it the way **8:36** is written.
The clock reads **10:04**
